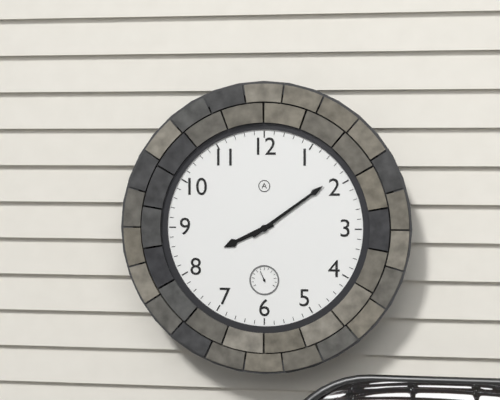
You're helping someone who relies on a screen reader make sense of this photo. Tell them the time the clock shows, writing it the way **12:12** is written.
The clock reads **8:09**
